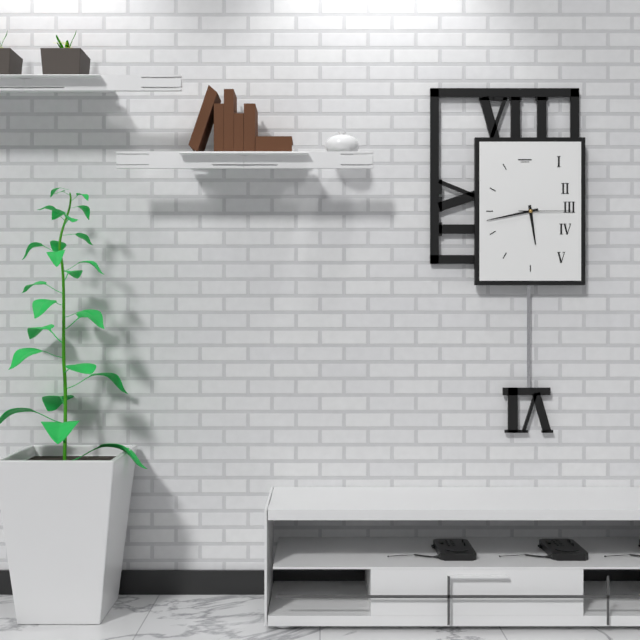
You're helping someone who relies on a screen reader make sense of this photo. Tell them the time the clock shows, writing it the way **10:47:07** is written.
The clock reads **5:43:15**
